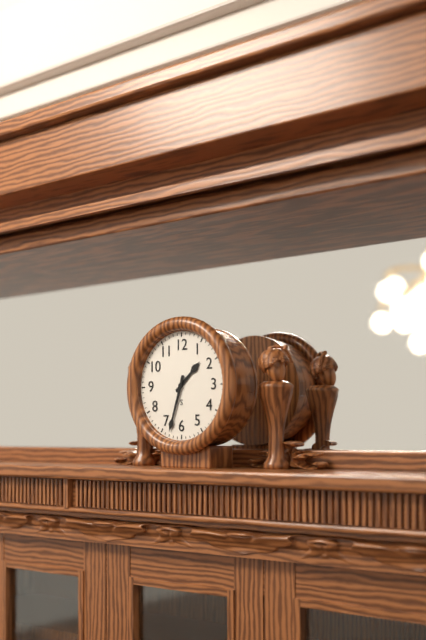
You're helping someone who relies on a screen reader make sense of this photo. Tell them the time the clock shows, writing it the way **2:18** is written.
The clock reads **1:33**
